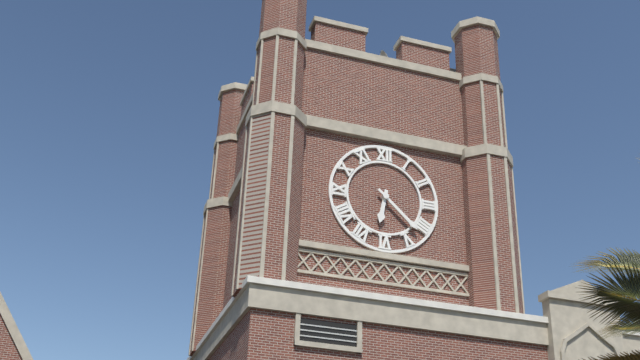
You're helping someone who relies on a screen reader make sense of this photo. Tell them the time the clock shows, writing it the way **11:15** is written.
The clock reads **6:22**
